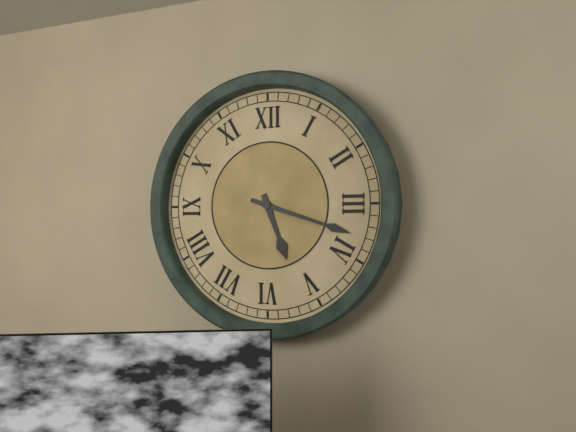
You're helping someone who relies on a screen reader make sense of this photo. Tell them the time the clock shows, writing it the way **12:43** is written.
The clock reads **5:18**
